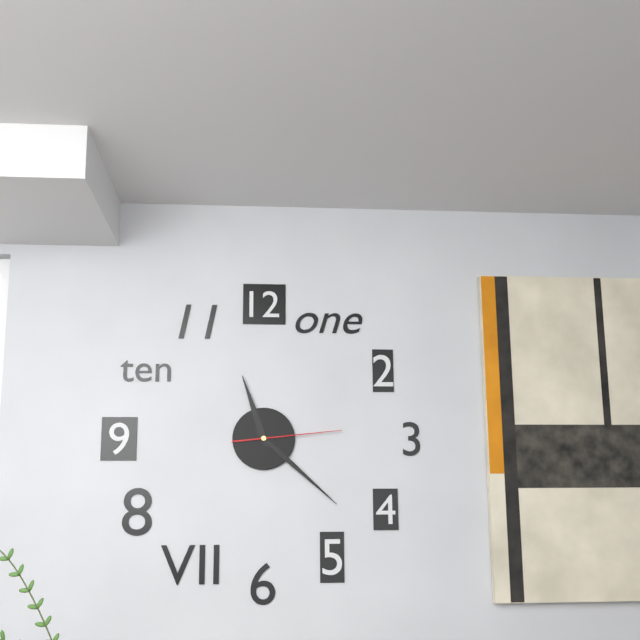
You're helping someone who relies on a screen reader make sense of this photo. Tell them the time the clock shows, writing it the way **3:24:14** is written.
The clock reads **11:22:14**
